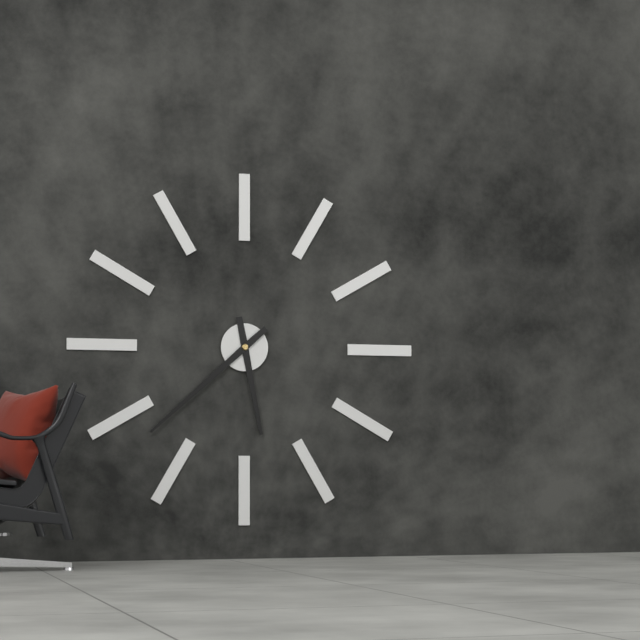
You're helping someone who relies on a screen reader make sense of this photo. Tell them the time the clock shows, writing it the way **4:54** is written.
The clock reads **5:38**
